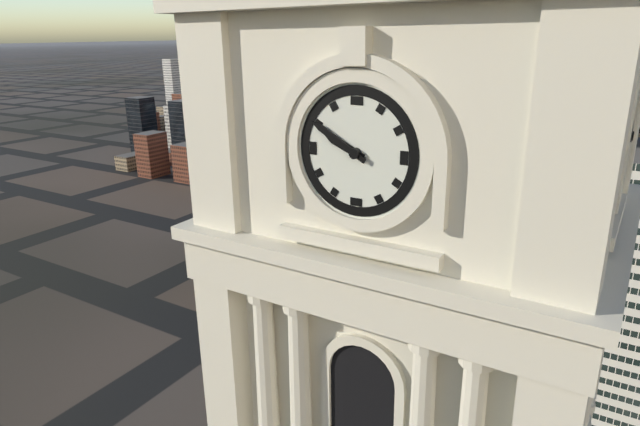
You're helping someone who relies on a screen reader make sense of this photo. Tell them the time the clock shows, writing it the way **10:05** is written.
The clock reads **9:50**
